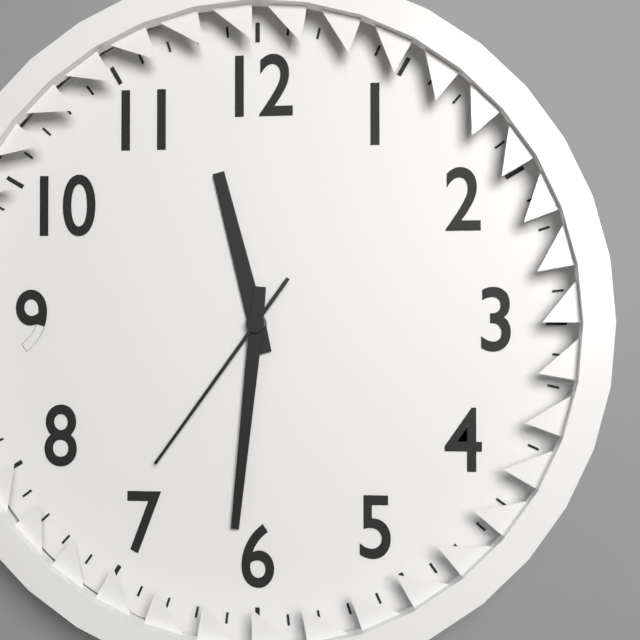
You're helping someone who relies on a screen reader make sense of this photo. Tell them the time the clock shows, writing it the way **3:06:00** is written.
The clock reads **11:31:36**
